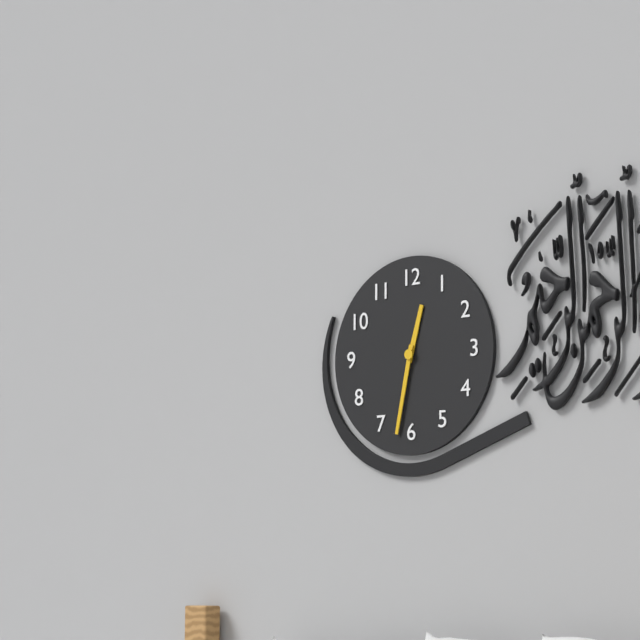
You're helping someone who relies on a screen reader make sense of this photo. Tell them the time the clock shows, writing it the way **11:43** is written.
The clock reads **12:32**
